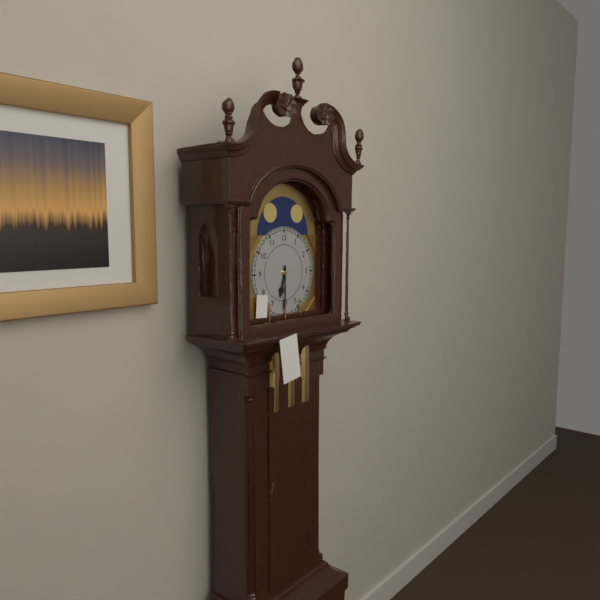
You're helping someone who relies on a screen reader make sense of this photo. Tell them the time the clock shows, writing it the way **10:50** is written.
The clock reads **6:30**
